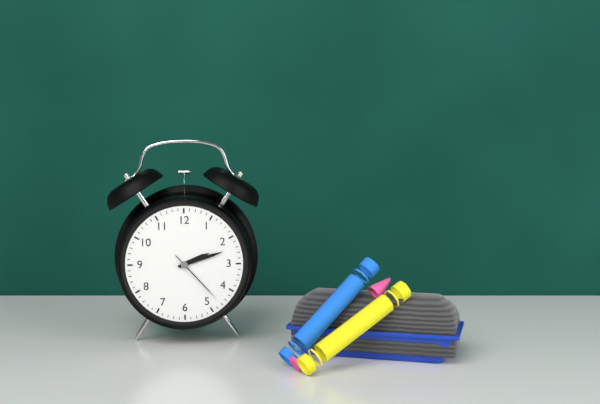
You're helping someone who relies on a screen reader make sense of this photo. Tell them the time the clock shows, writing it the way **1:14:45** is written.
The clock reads **2:12:23**
